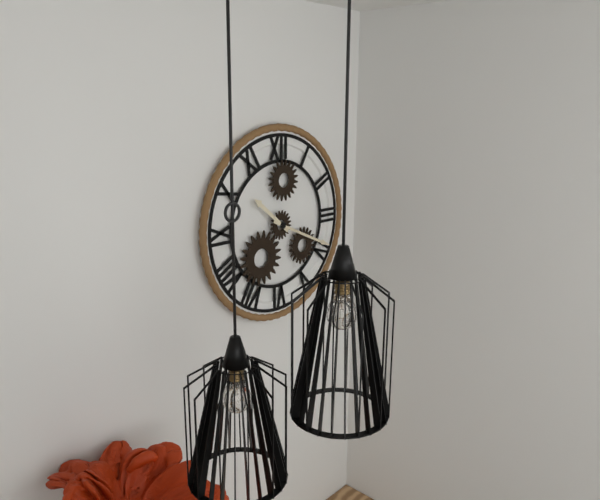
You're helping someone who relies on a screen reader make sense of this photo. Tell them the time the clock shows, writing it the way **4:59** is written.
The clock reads **10:19**
